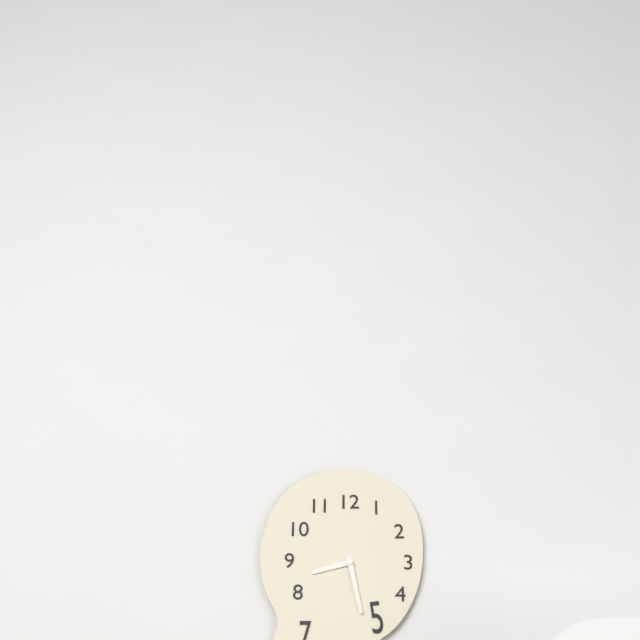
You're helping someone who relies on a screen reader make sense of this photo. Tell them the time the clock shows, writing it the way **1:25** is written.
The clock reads **8:28**
